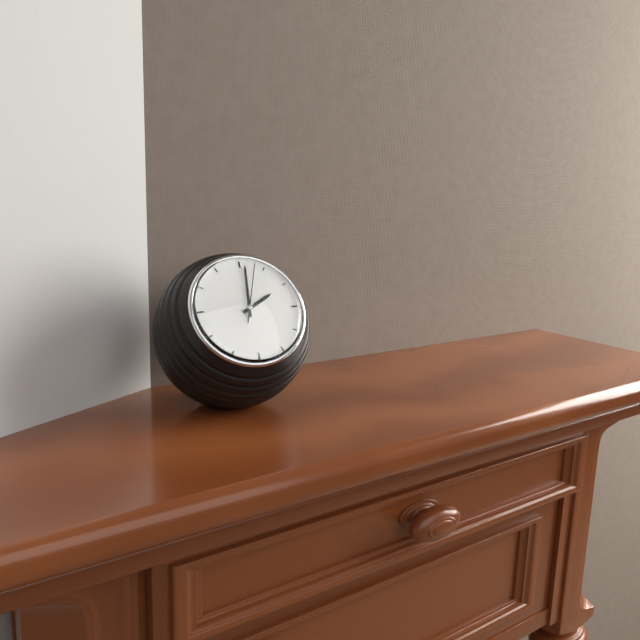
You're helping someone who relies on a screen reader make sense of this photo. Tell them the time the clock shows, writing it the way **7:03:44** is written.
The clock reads **2:01:03**
